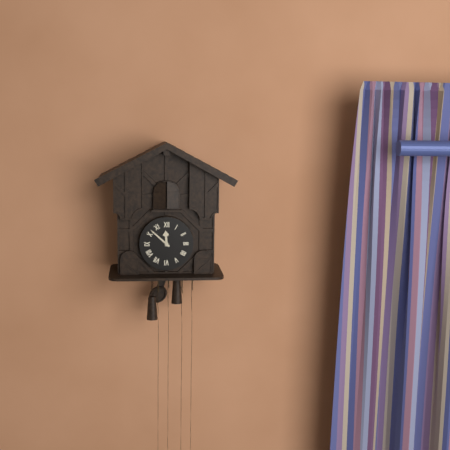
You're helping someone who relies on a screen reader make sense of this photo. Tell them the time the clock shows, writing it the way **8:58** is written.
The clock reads **11:52**
